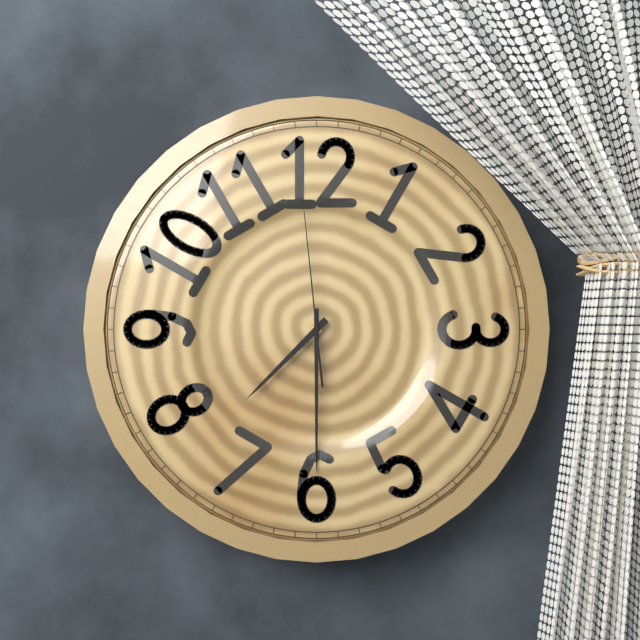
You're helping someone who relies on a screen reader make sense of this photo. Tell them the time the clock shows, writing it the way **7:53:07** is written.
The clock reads **7:30:59**
